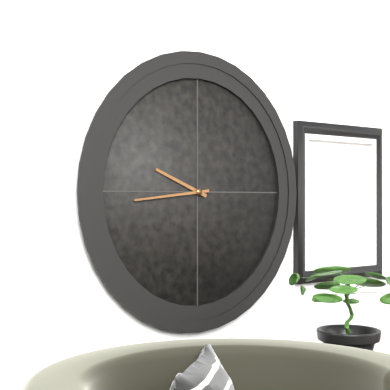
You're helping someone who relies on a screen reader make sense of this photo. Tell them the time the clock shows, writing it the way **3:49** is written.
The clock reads **9:44**
